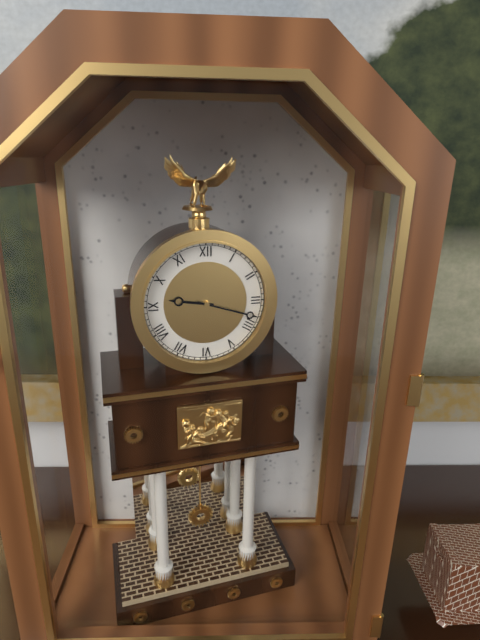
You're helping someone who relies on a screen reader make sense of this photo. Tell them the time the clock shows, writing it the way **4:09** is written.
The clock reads **9:18**
